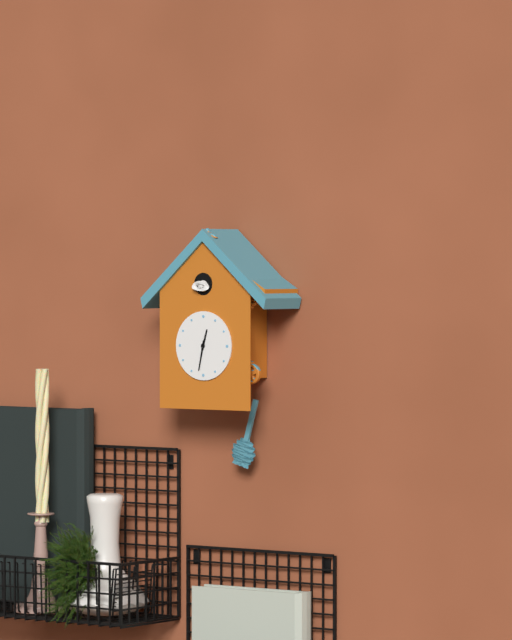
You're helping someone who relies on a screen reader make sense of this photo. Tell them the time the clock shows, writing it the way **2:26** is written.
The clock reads **12:32**
